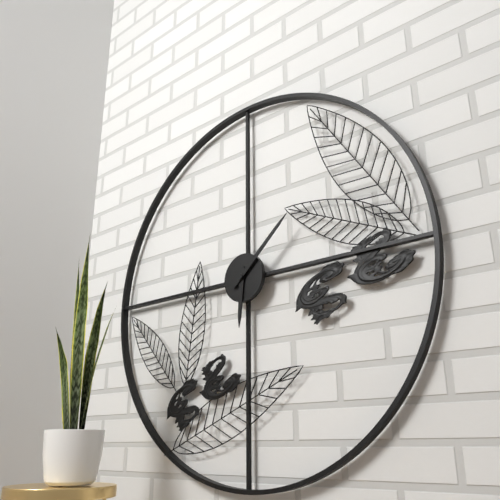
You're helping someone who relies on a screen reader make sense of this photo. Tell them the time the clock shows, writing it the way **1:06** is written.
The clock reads **6:08**
